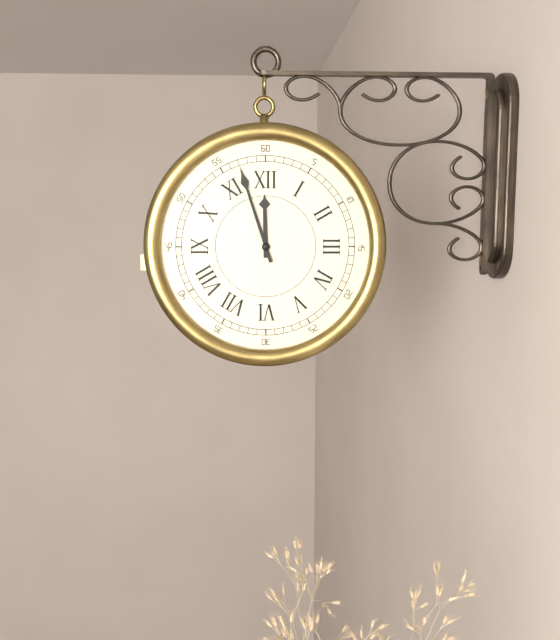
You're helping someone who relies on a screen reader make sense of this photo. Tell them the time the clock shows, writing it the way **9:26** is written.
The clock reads **11:57**
